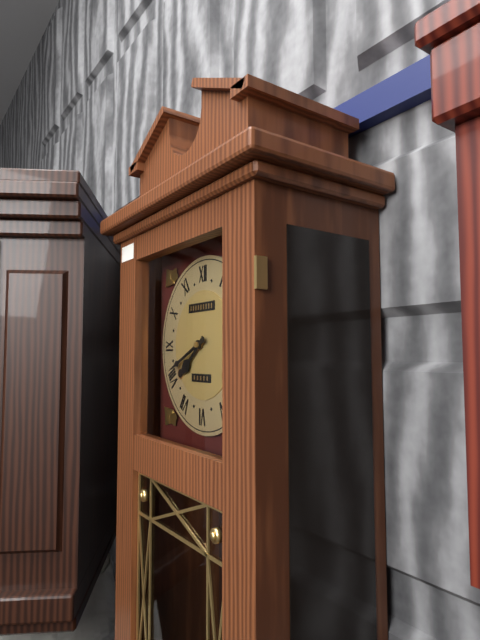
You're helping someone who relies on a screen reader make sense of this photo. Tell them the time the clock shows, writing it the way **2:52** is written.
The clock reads **7:41**
